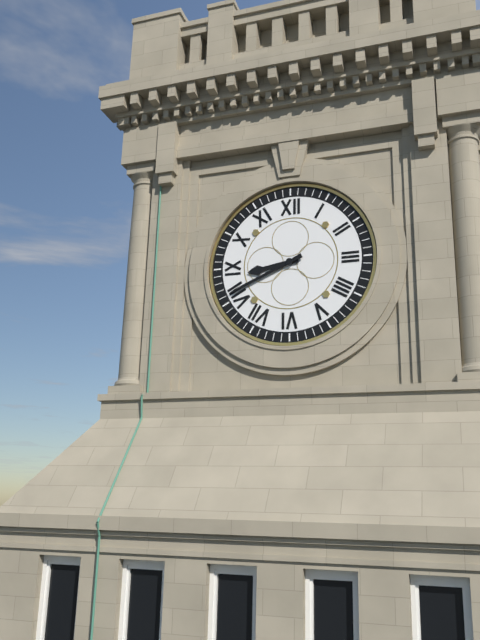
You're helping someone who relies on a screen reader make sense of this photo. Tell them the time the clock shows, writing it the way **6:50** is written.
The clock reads **8:41**
